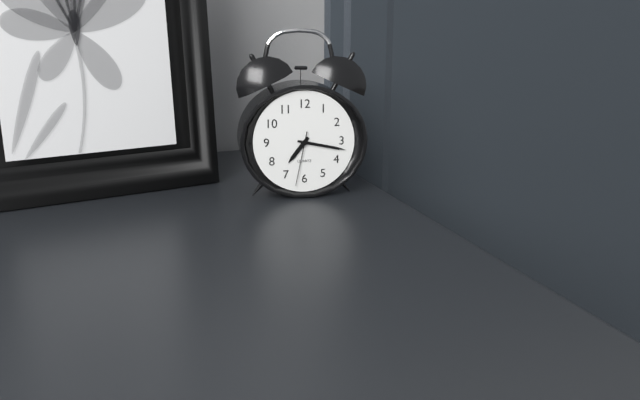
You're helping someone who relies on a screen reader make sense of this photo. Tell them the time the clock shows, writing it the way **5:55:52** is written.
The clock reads **7:17:32**
